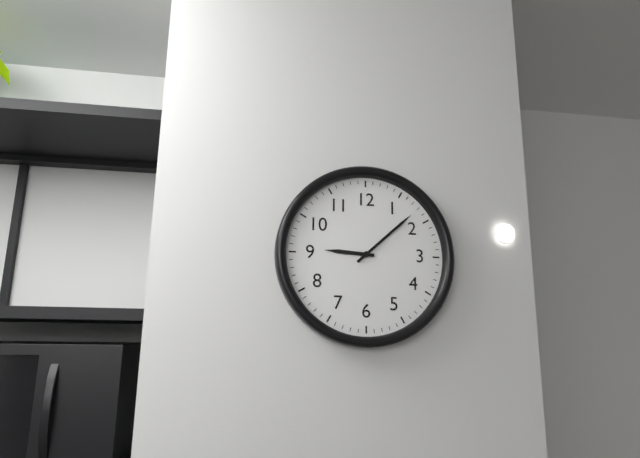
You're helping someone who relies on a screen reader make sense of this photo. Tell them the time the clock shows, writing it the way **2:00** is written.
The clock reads **9:08**
